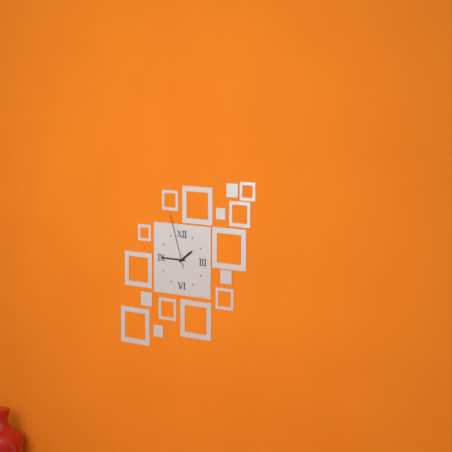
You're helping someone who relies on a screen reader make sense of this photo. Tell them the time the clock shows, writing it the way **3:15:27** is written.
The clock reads **1:45:57**
